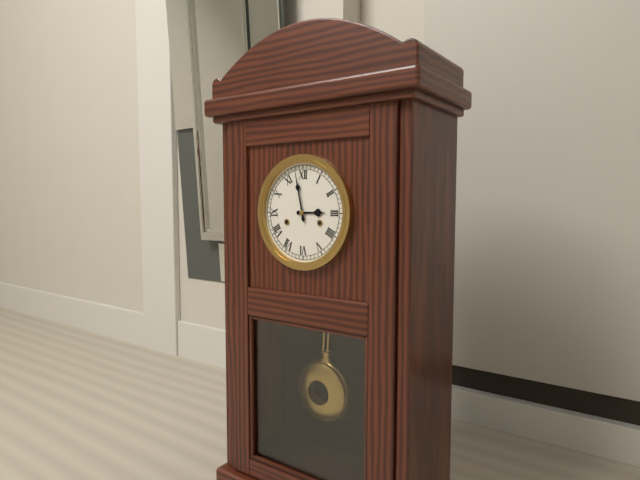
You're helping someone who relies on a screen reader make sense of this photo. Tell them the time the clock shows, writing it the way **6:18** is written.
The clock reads **2:58**
